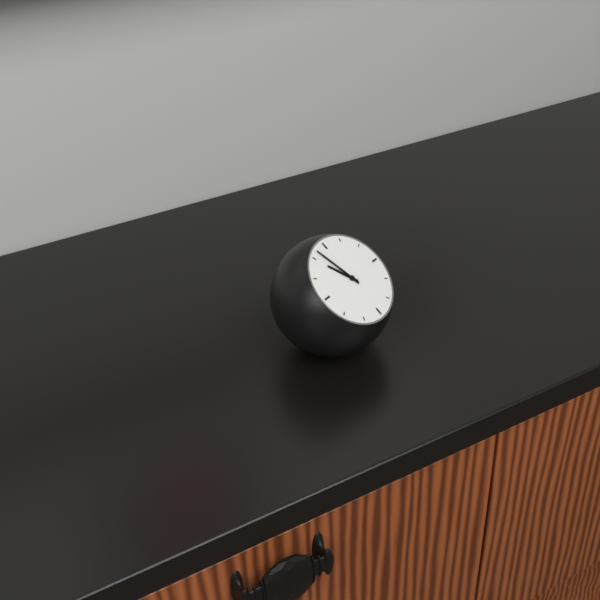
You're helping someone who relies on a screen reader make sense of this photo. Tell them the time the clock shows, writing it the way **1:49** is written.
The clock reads **10:57**
